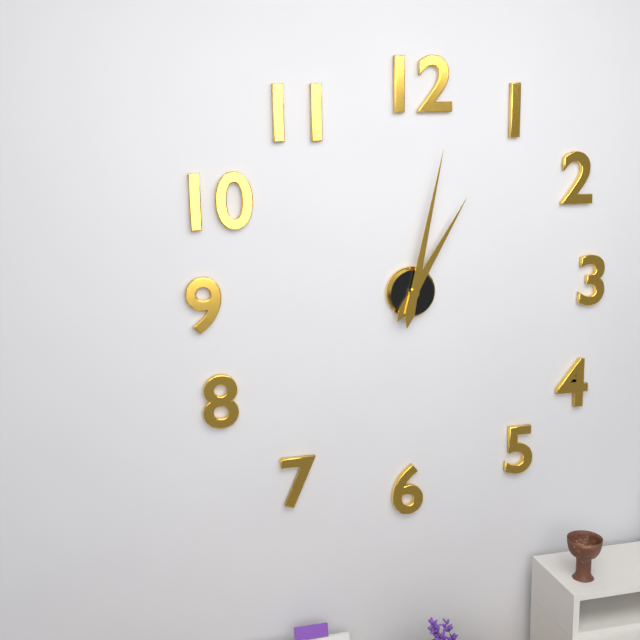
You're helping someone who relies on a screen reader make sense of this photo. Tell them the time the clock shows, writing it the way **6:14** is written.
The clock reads **1:02**
